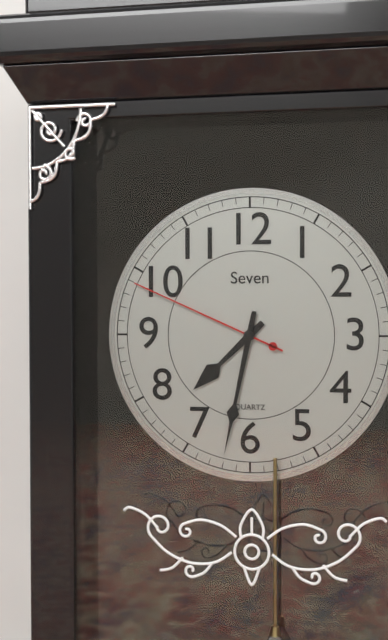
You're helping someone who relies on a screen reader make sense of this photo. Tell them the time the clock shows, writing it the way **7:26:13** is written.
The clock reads **7:32:49**
